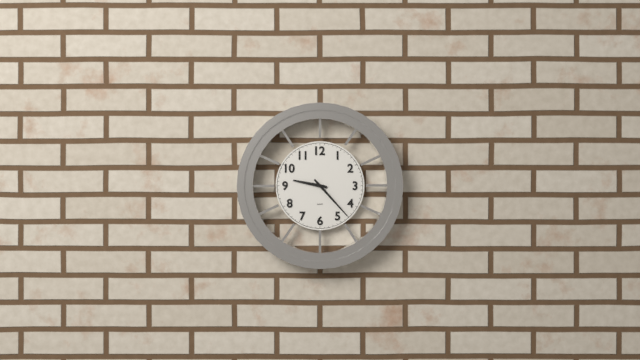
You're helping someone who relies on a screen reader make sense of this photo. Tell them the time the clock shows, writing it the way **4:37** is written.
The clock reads **9:23**
